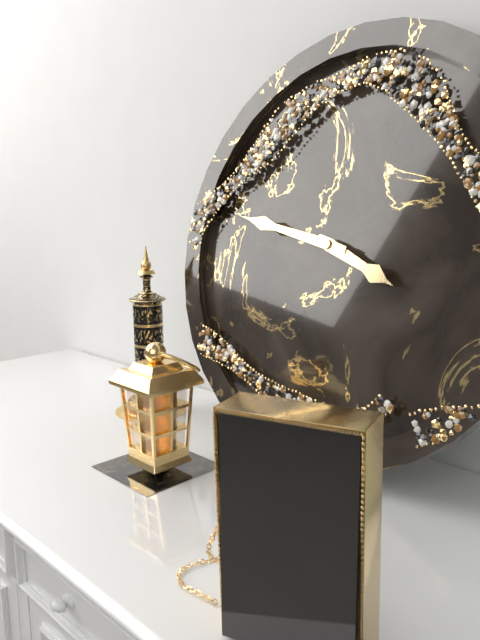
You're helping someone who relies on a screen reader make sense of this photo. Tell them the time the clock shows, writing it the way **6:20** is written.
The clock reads **3:47**
